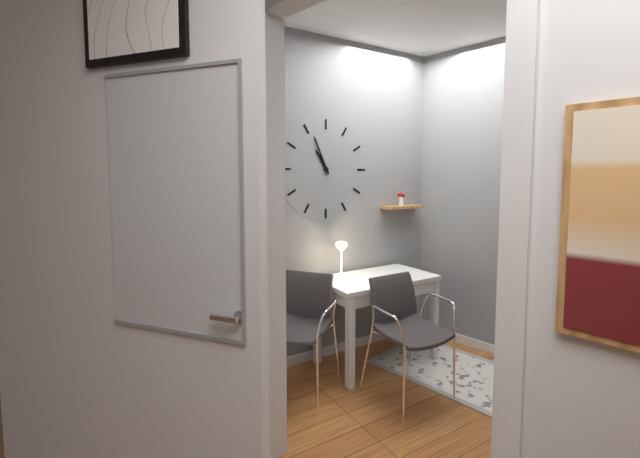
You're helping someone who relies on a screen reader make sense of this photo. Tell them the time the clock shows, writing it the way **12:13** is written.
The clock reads **10:56**
